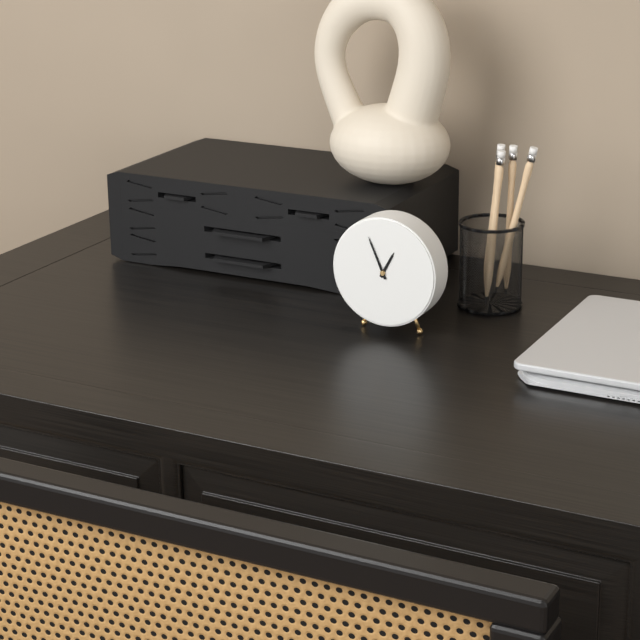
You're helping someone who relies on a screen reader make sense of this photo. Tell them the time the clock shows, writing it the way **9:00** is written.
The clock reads **12:56**
